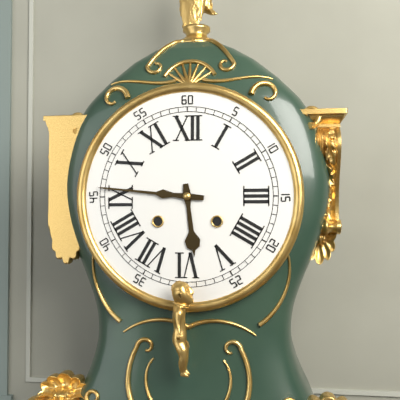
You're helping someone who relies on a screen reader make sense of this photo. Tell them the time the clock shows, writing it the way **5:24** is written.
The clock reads **5:46**
